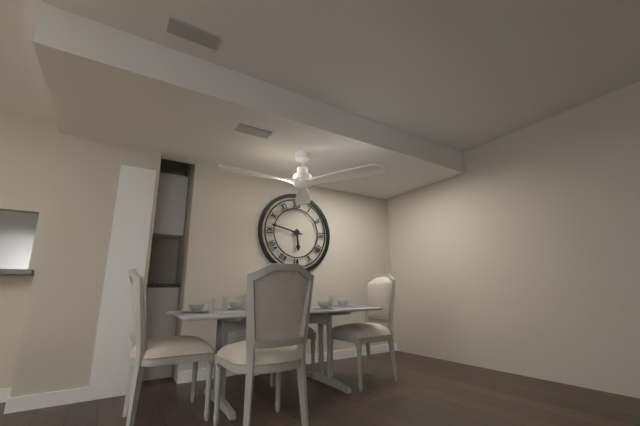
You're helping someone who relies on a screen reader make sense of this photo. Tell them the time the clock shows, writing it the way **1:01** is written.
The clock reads **5:47**
